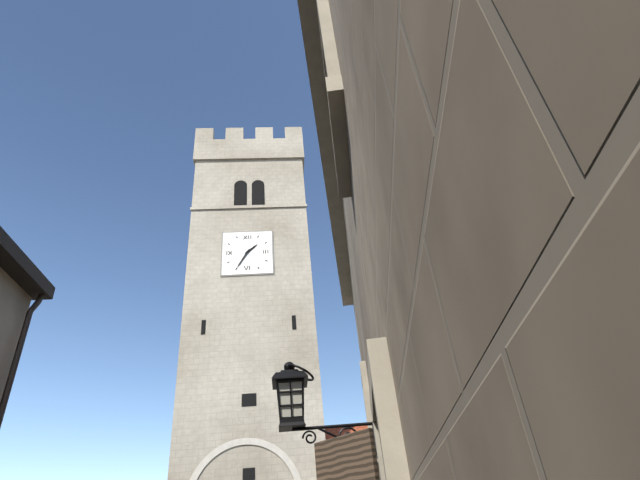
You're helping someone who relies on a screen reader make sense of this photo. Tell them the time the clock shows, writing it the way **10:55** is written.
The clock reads **1:35**
